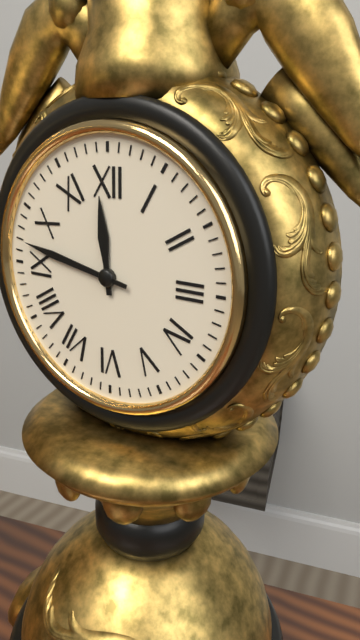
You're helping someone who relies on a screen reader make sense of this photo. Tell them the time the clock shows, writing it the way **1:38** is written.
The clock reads **11:47**
